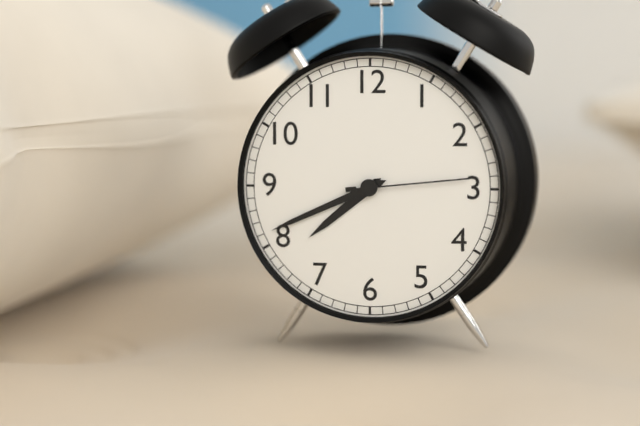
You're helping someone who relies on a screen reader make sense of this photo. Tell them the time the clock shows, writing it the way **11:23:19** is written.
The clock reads **7:41:14**
